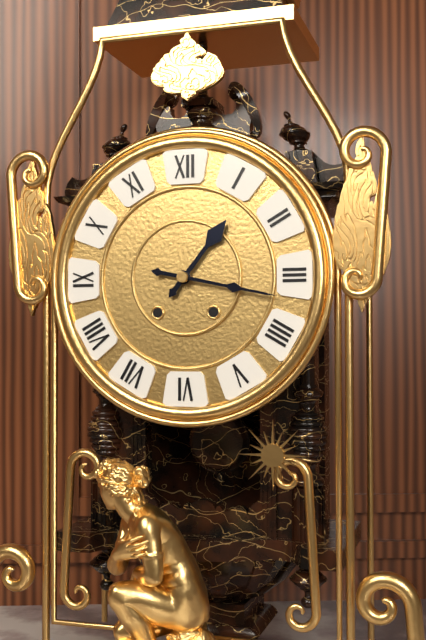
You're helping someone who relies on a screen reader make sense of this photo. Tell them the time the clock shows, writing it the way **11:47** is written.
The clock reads **1:17**
